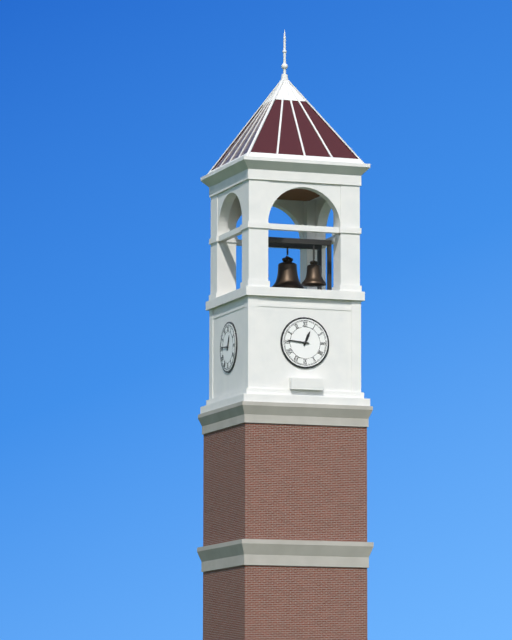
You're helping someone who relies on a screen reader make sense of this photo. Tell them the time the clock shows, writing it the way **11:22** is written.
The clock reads **12:46**
